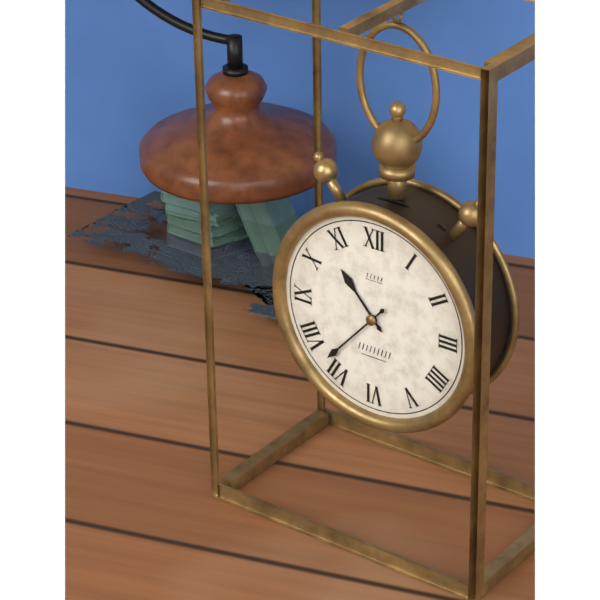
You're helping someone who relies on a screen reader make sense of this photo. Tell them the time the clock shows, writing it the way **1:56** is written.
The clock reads **10:37**
